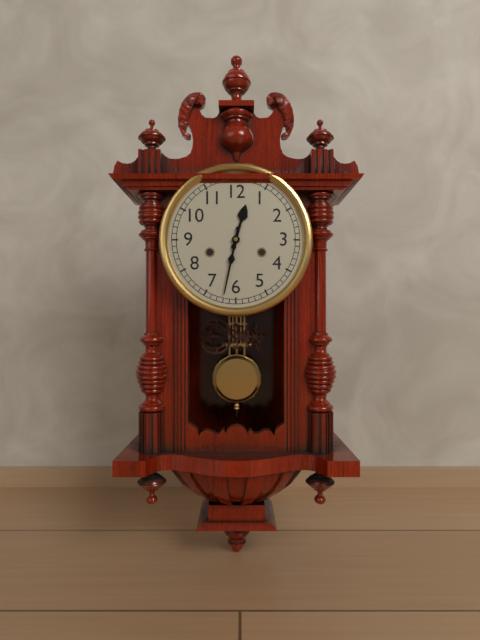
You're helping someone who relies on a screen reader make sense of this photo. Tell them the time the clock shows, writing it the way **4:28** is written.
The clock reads **12:32**
